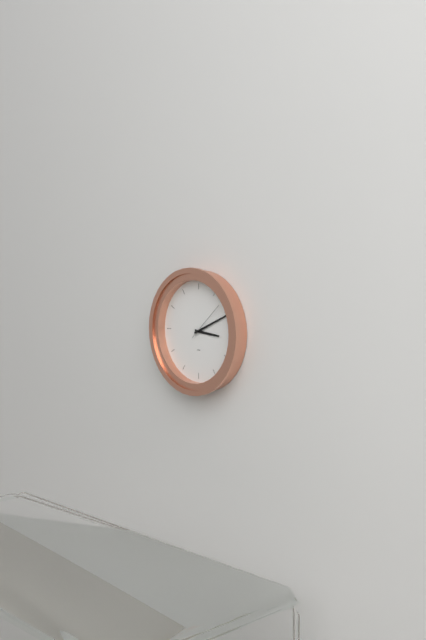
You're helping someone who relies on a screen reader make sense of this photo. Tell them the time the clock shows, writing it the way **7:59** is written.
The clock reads **3:11**
